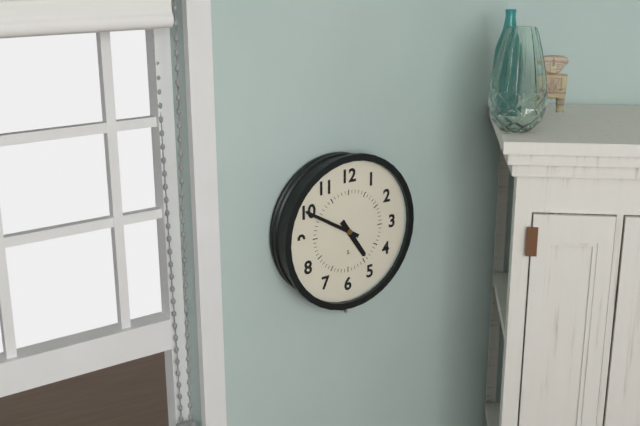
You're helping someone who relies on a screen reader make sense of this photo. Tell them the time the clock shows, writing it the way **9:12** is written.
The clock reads **4:50**
